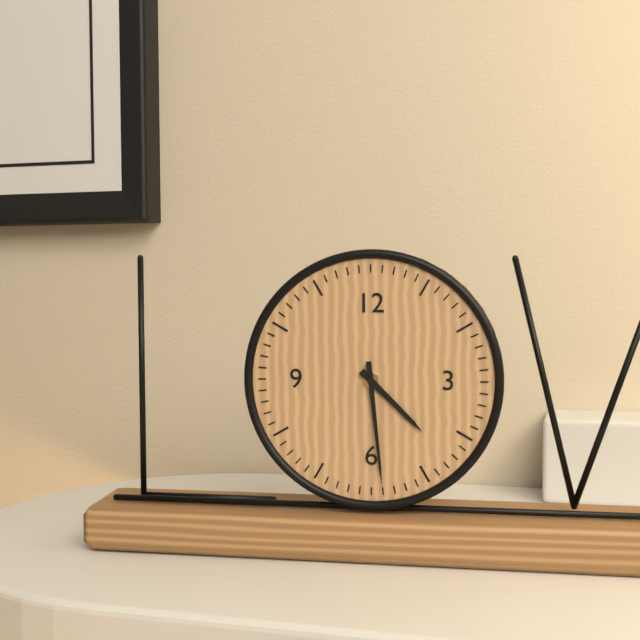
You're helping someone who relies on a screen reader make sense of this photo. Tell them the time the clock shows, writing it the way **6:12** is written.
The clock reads **4:29**
